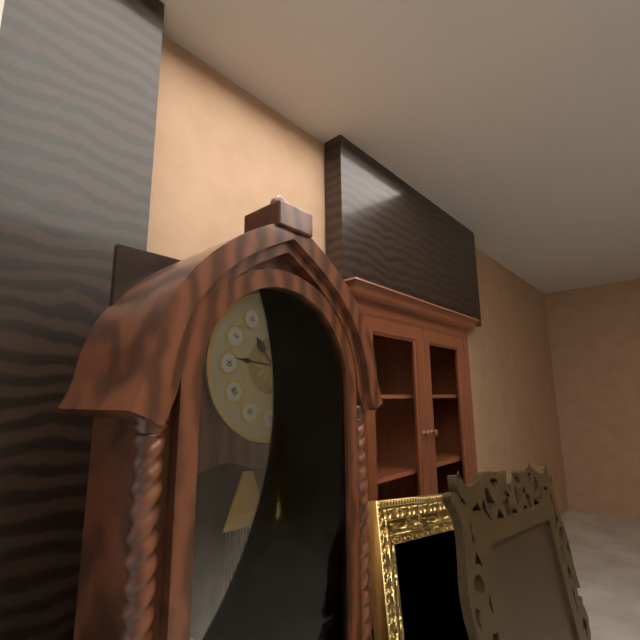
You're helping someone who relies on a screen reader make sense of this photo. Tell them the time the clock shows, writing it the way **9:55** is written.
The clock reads **10:46**
